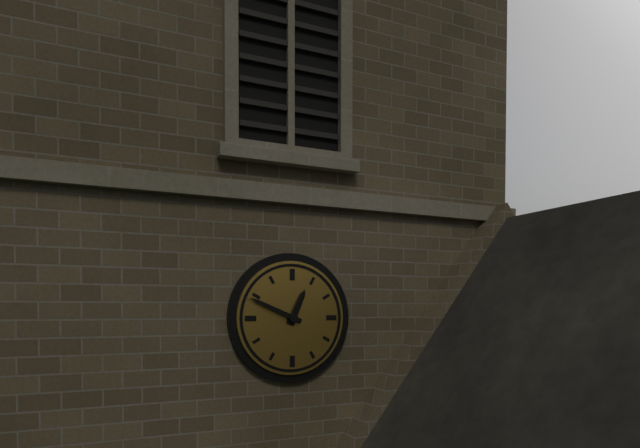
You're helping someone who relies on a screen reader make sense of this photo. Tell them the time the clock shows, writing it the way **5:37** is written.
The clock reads **12:49**
